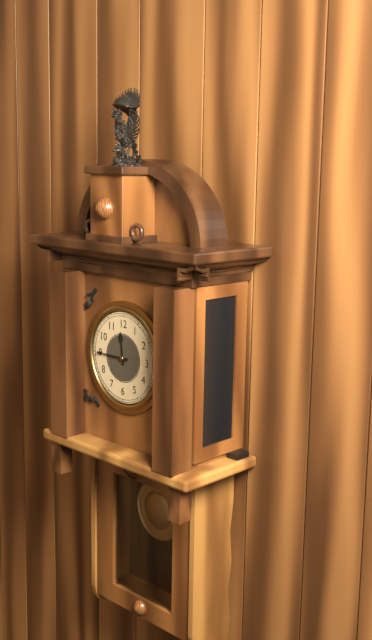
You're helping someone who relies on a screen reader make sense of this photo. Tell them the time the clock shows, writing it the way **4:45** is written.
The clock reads **11:45**
